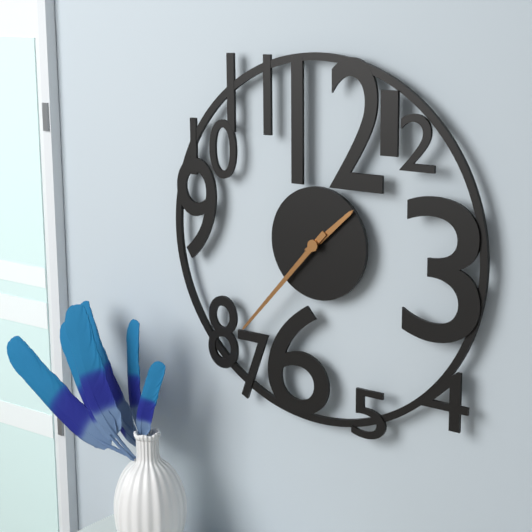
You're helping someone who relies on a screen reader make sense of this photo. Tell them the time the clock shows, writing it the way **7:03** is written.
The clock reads **1:37**
